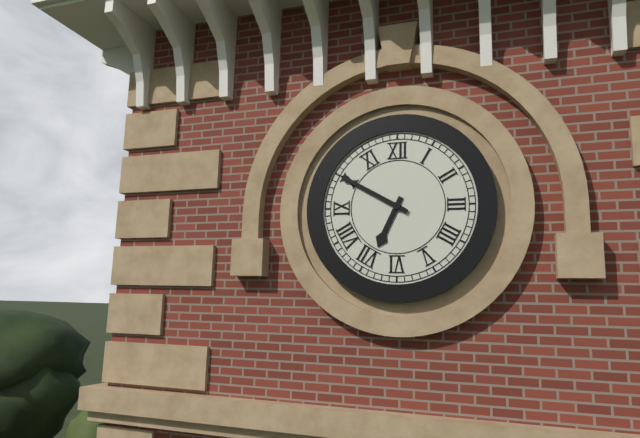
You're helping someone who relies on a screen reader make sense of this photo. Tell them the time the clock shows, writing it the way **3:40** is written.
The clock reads **6:50**
